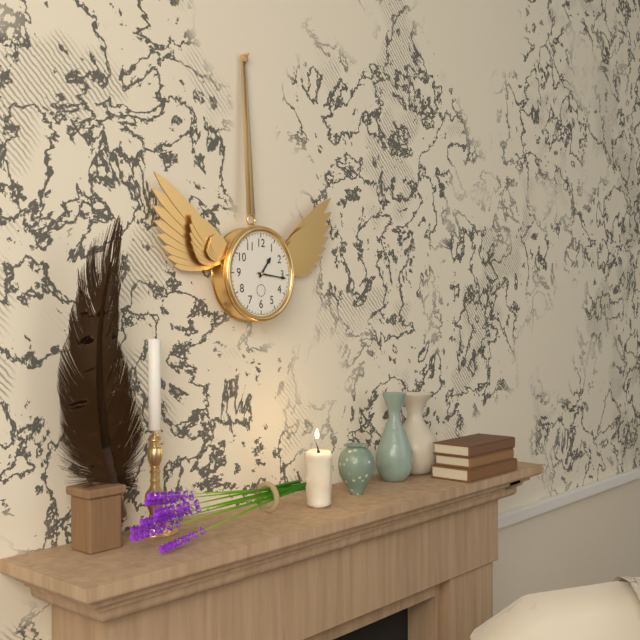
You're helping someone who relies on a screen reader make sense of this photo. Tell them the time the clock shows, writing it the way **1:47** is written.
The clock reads **1:16**
